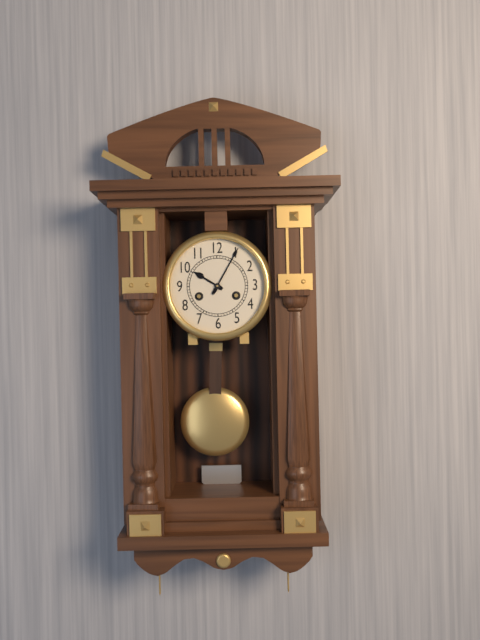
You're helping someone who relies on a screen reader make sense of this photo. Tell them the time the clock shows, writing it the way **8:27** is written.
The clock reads **10:05**
